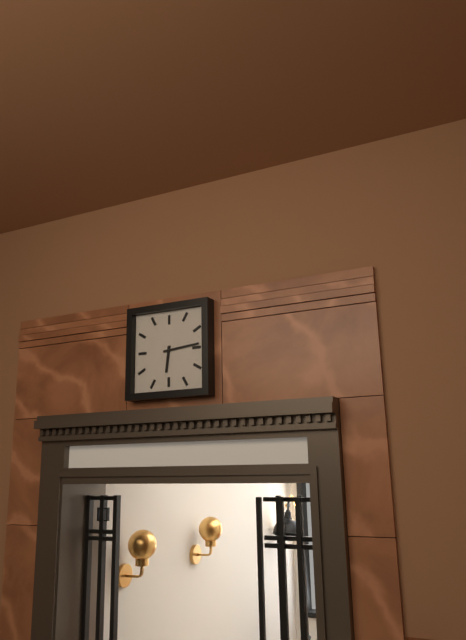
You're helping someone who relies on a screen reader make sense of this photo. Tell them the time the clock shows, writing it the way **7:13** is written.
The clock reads **6:14**
